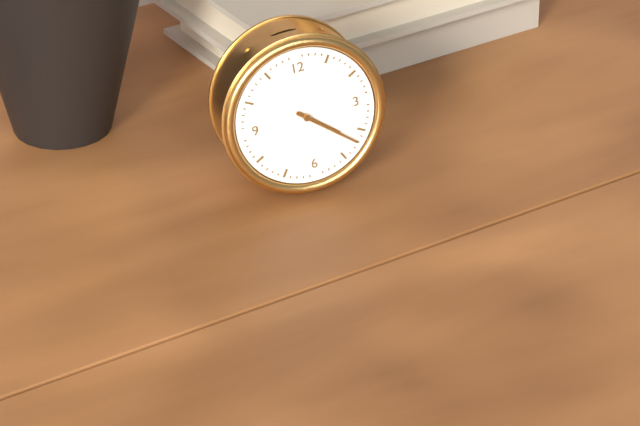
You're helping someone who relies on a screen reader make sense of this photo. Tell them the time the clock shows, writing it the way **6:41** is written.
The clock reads **4:22**
